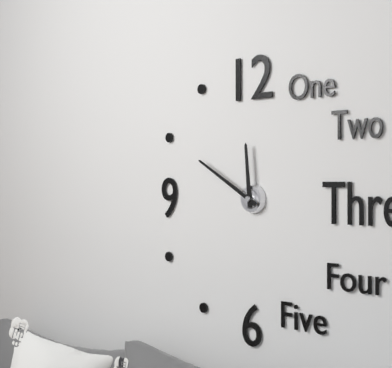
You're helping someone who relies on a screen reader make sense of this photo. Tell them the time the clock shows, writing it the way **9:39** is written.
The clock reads **11:50**
